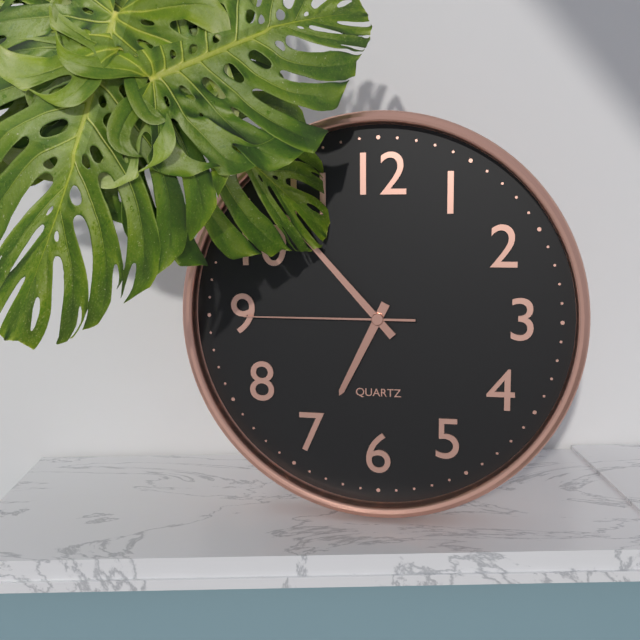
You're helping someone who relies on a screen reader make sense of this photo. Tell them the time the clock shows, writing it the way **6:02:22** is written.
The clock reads **6:53:45**
